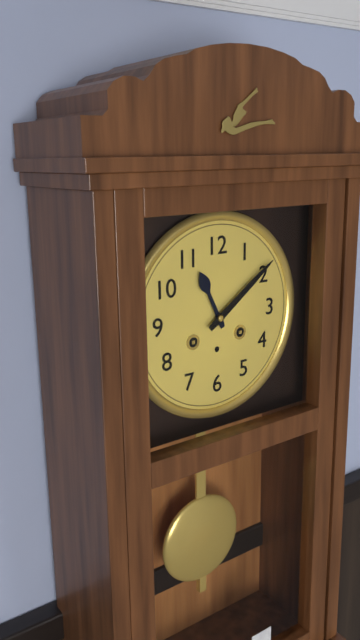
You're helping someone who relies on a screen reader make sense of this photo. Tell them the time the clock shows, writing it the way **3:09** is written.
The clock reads **11:09**
